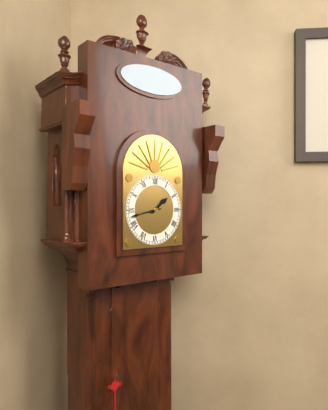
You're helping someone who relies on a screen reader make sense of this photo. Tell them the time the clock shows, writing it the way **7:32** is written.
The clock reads **1:43**
